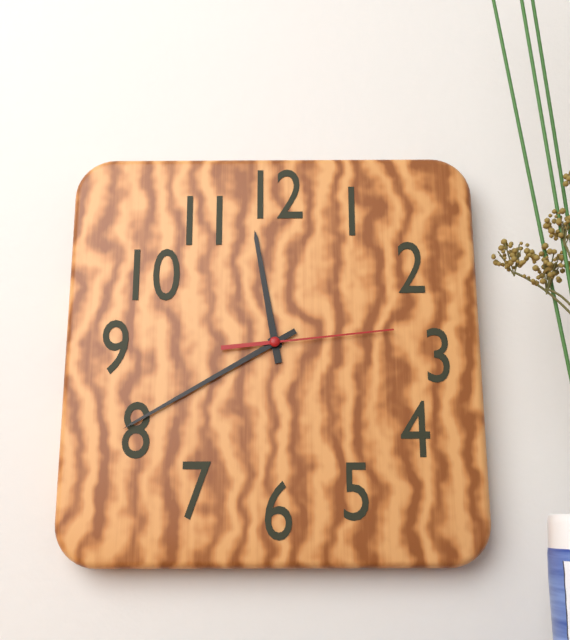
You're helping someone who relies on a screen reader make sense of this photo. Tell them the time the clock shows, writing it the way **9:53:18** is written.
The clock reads **11:40:14**
